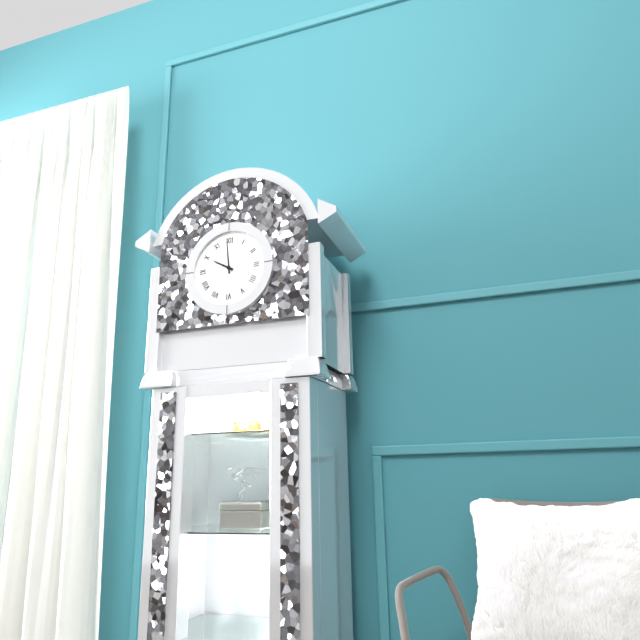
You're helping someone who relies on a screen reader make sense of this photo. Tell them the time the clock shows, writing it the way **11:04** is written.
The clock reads **9:59**
